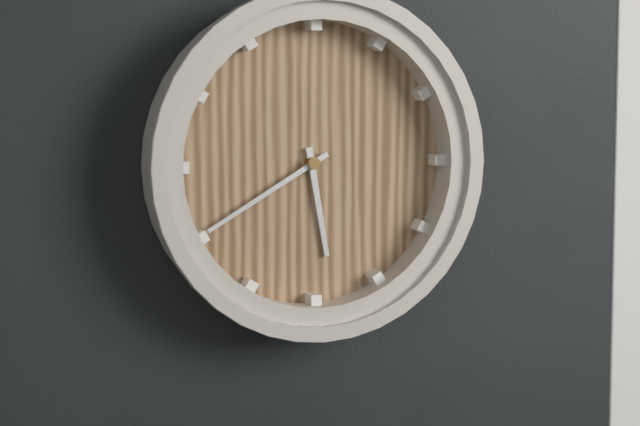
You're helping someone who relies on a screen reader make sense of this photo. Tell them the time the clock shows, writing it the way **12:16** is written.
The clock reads **5:40**
